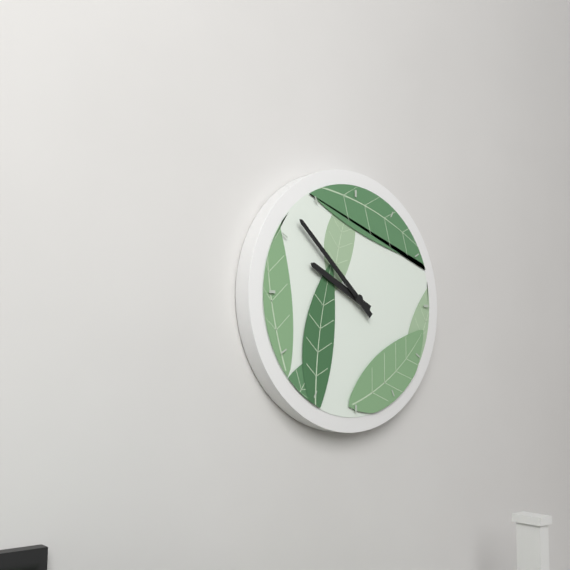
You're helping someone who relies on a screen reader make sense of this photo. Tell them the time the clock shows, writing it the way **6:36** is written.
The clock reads **9:52**
